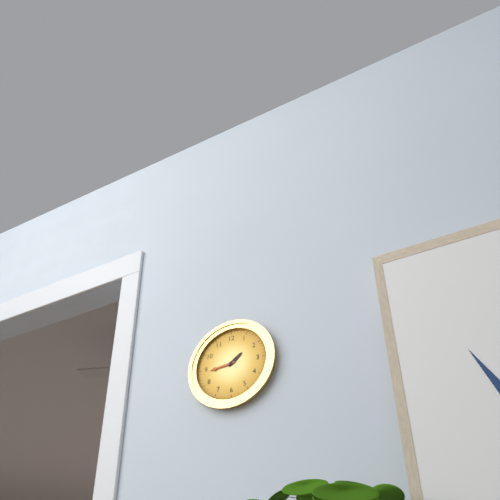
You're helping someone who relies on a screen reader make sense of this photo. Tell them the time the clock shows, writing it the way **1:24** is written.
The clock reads **1:44**
